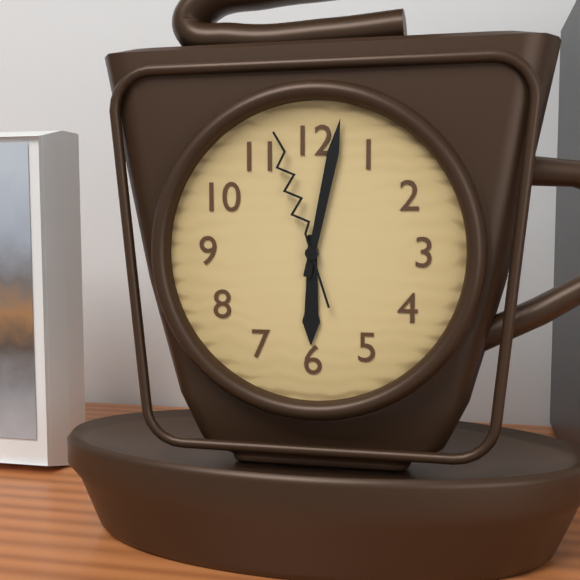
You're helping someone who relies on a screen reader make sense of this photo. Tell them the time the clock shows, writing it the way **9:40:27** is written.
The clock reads **6:02:57**
